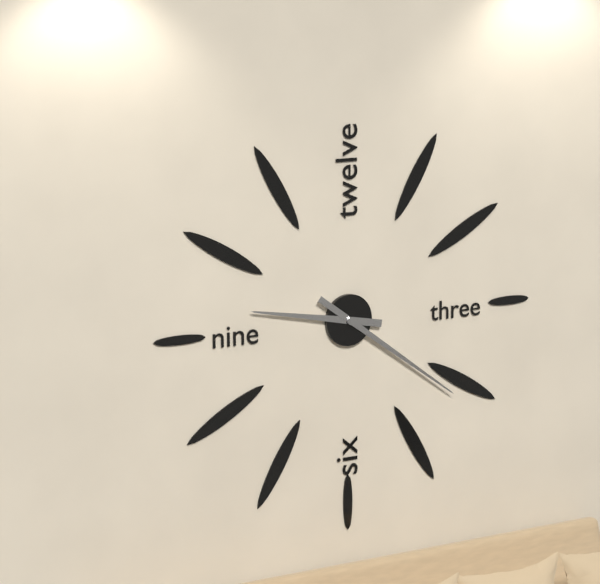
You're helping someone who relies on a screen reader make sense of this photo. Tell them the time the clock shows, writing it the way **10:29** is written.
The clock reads **9:21**
